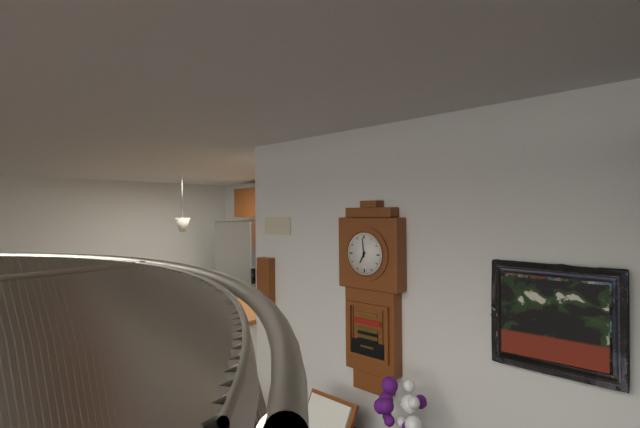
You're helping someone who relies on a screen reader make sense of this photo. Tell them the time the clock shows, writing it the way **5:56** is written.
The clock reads **6:59**
